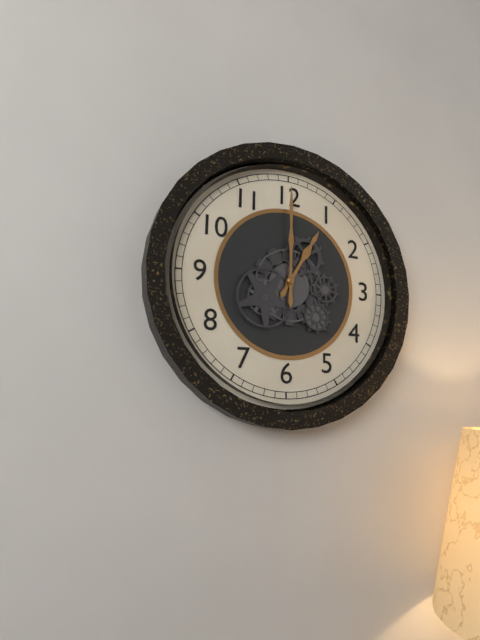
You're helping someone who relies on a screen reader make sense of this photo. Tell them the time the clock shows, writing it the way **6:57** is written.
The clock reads **1:00**
